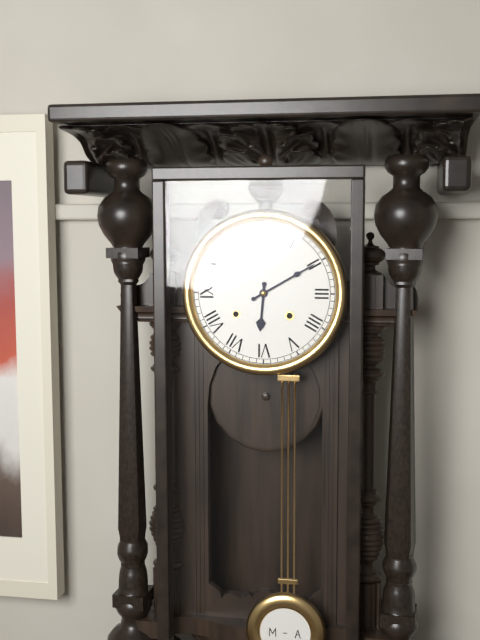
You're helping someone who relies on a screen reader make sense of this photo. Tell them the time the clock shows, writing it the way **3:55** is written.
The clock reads **6:10**
